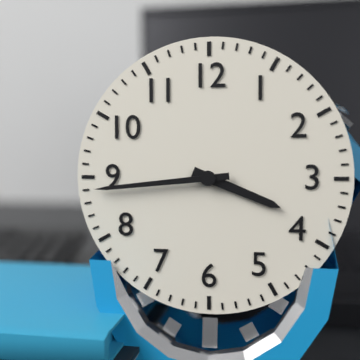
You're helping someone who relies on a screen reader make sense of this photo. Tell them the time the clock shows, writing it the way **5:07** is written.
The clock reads **3:44**
